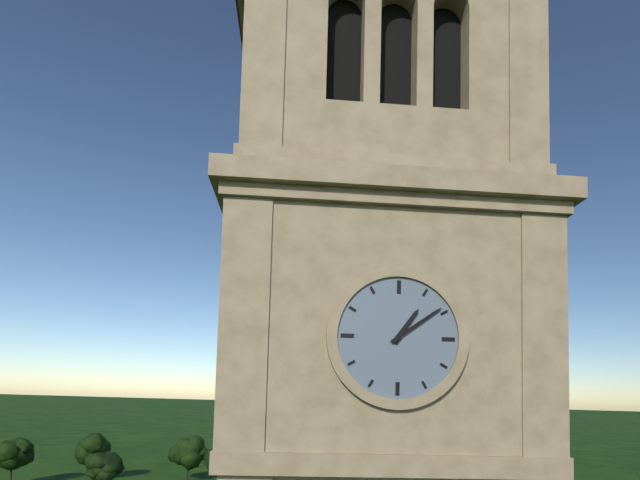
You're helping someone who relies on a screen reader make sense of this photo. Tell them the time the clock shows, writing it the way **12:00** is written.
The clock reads **1:09**
